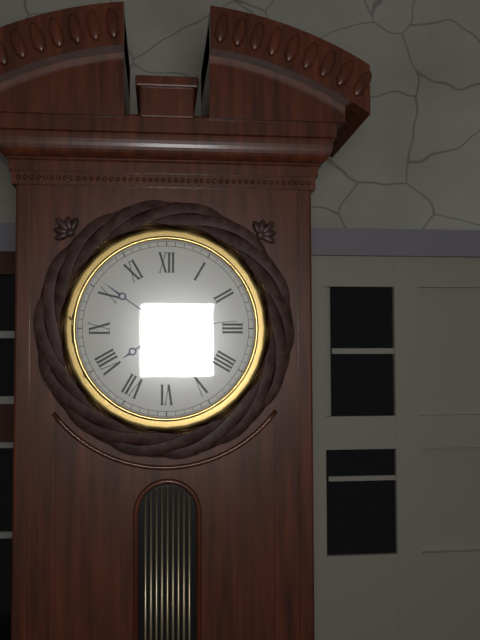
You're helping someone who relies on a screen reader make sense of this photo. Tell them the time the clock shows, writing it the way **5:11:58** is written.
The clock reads **7:51:14**
